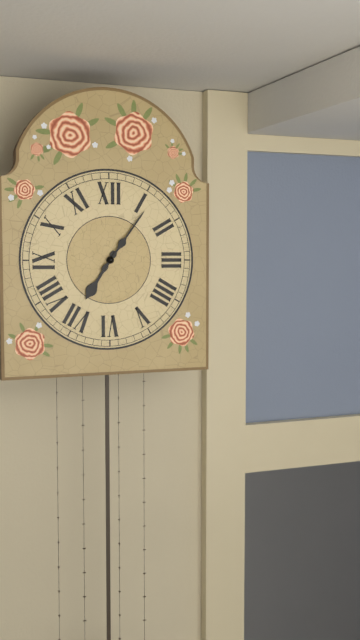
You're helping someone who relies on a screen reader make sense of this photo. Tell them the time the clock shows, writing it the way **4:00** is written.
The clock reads **7:06**
